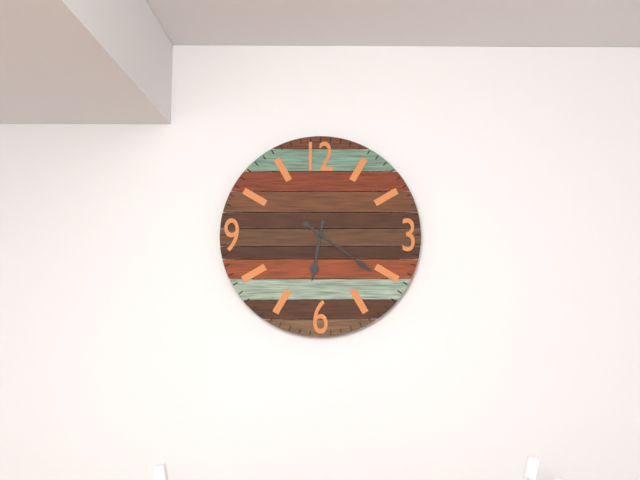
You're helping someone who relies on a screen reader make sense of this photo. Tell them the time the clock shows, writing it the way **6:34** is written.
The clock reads **6:21**
